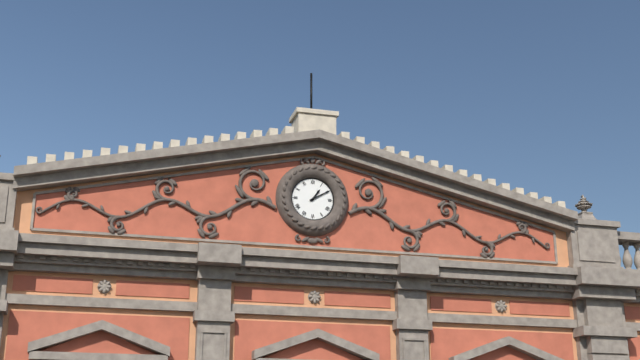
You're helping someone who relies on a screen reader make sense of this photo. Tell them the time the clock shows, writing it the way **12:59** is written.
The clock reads **1:10**
